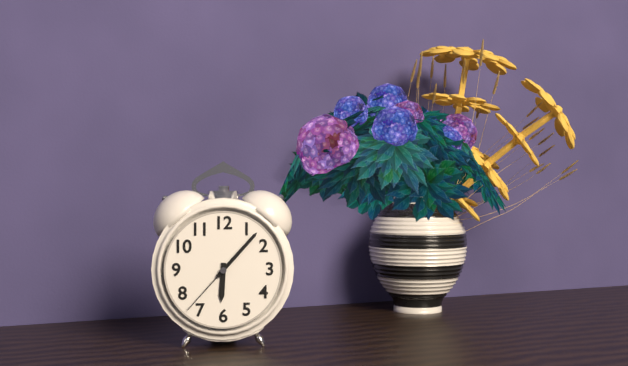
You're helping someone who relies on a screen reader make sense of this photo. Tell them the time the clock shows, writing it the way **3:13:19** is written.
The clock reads **6:07:37**
